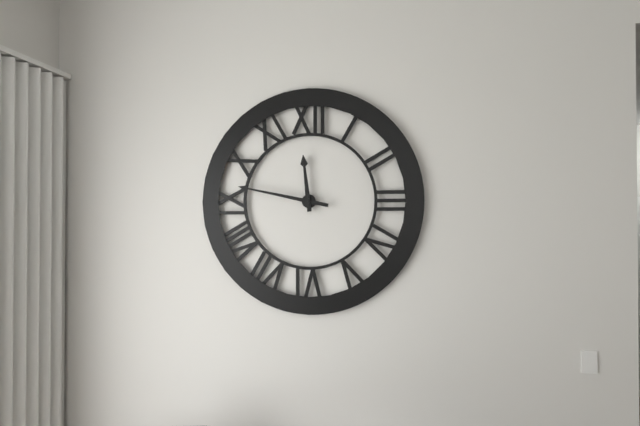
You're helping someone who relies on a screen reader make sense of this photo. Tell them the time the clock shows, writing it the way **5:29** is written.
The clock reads **11:47**
